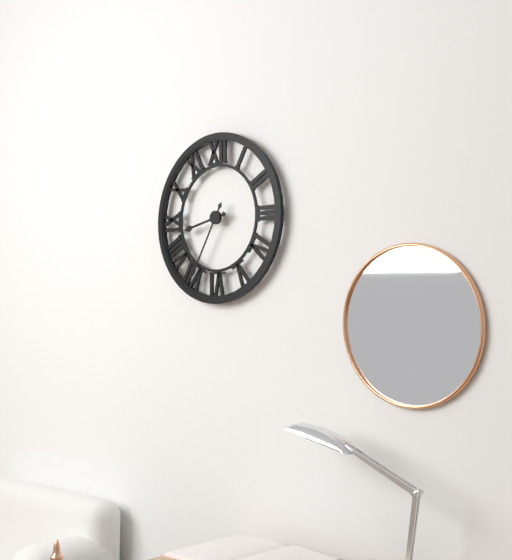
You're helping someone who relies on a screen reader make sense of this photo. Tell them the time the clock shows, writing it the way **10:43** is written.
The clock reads **8:35**
